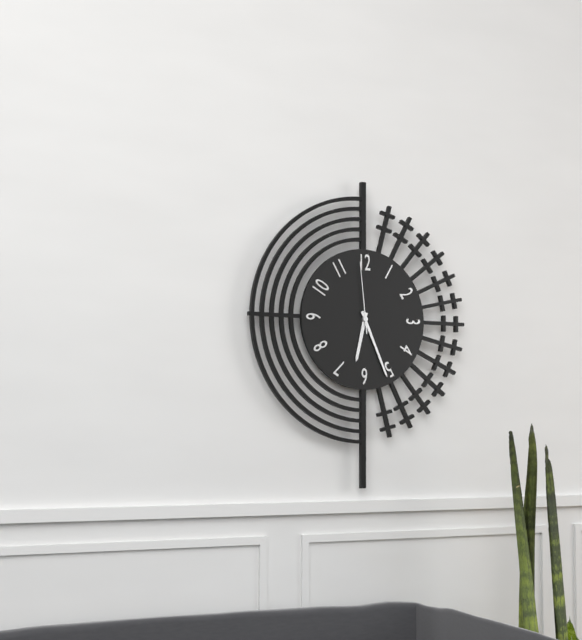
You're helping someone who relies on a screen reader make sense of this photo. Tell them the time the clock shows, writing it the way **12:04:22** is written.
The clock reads **6:26:59**
